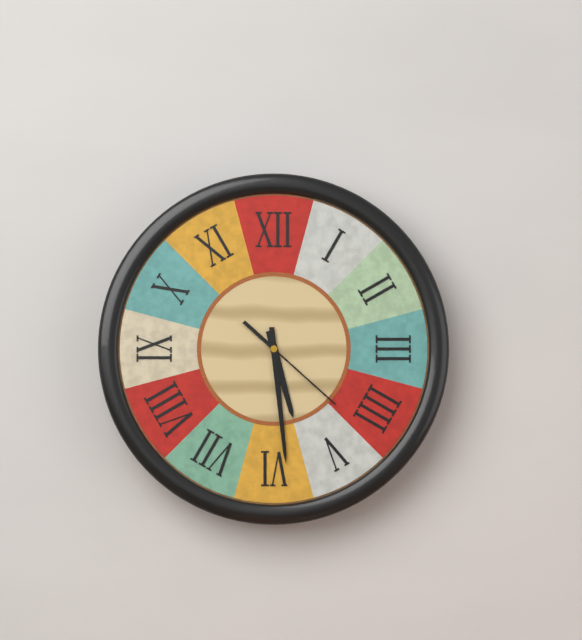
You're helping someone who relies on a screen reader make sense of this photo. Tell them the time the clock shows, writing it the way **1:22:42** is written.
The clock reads **5:29:22**
